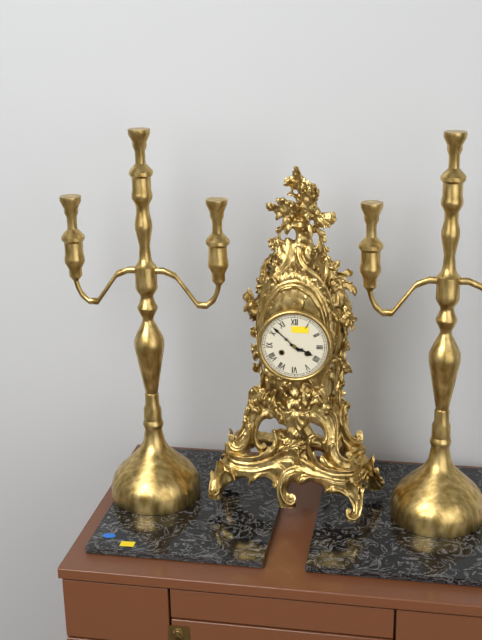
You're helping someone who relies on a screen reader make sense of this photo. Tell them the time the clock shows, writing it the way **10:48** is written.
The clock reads **3:52**
